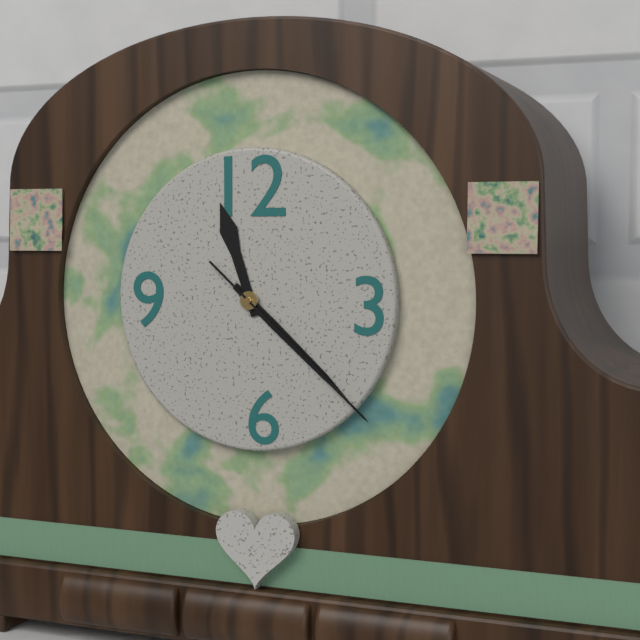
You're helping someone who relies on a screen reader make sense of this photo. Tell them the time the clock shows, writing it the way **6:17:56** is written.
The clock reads **11:22:22**
